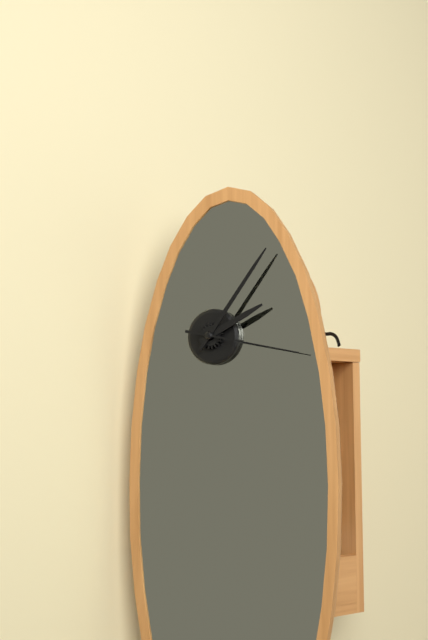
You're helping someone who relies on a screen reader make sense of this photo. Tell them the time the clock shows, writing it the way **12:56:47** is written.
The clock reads **2:06:17**
